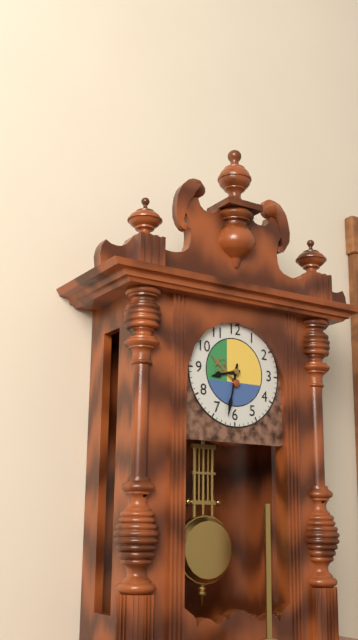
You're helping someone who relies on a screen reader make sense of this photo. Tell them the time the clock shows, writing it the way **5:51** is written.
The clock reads **8:32**
